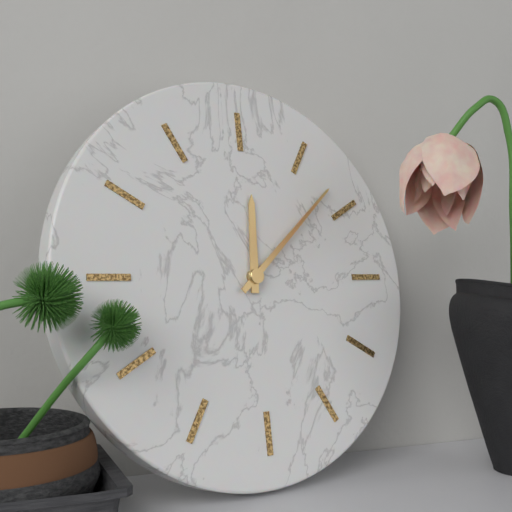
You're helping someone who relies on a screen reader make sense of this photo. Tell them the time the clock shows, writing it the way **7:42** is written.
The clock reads **12:08**
